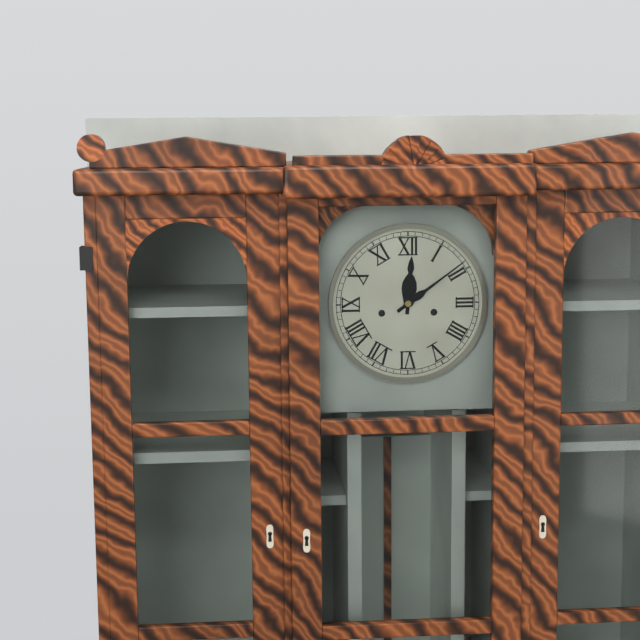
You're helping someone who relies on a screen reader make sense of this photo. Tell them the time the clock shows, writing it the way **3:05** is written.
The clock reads **12:09**
